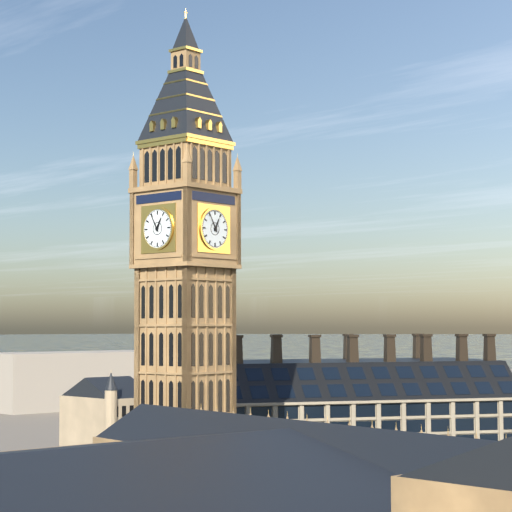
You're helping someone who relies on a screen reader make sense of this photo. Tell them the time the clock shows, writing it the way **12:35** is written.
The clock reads **12:55**
